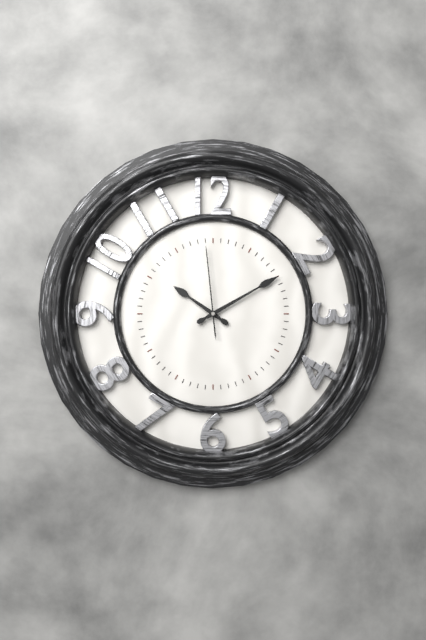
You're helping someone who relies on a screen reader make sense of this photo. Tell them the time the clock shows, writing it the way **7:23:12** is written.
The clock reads **10:10:59**
